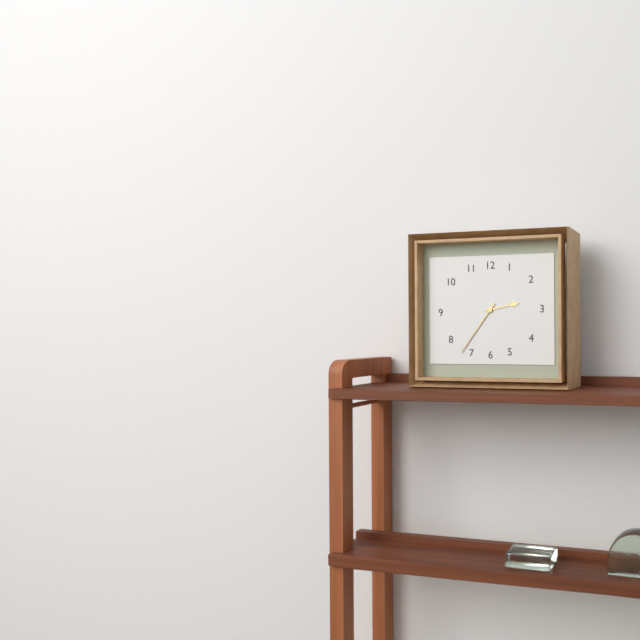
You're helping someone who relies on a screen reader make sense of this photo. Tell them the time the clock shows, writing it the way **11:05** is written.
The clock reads **2:36**
